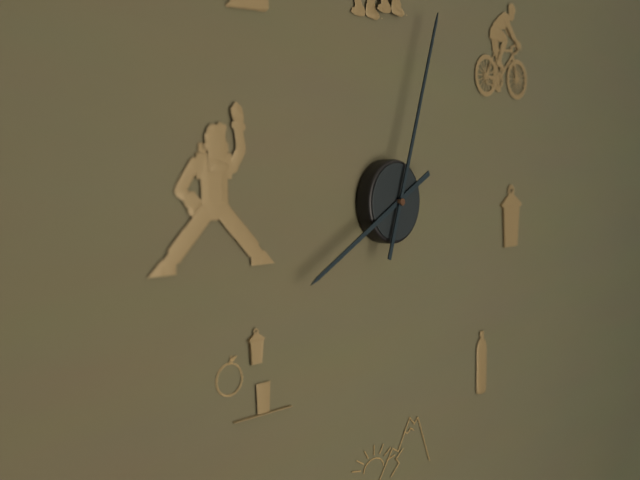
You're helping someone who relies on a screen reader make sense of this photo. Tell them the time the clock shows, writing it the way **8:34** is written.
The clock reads **8:03**
